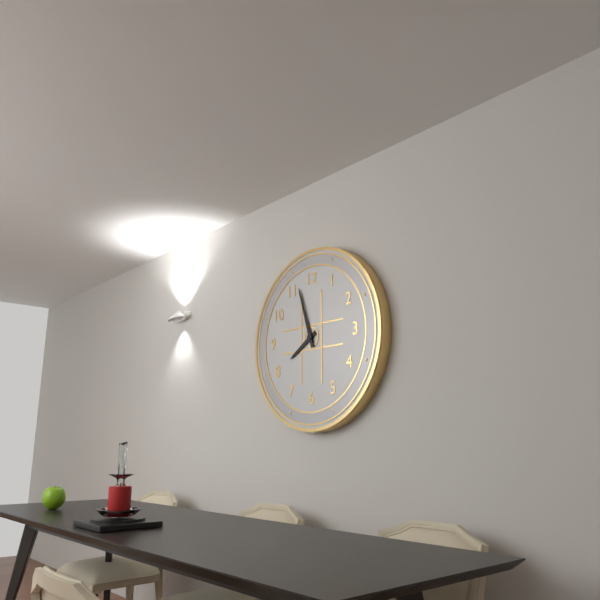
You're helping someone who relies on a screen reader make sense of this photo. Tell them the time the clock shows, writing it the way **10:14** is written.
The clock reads **7:57**
